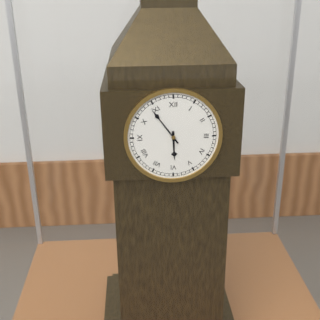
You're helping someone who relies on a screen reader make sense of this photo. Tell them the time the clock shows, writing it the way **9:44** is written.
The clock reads **5:54**
